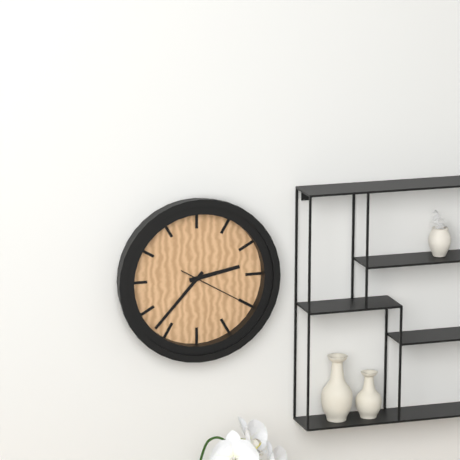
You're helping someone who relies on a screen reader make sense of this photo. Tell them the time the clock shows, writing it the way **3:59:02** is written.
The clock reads **2:37:20**
